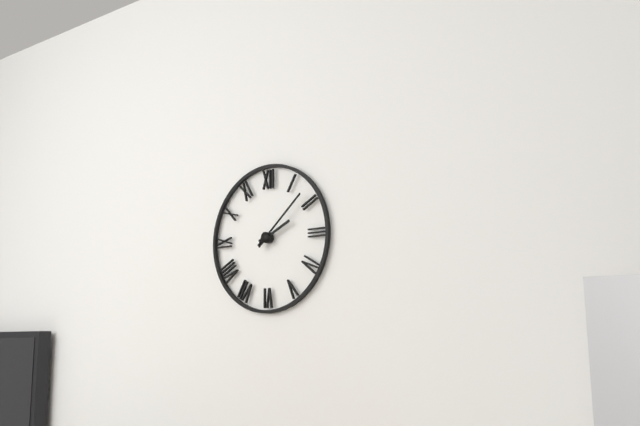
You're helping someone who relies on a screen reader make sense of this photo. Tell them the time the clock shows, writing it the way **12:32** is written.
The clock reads **2:08**
